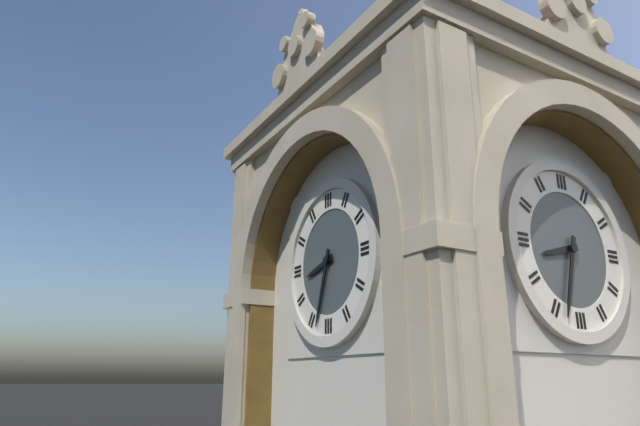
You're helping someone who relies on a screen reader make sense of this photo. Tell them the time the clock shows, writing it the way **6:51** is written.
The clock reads **8:33**
